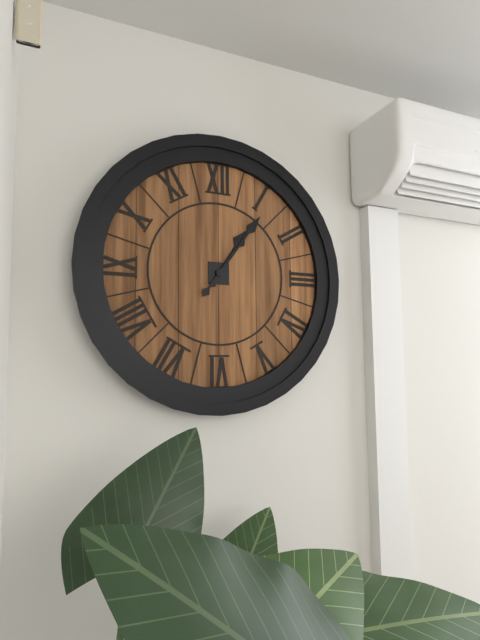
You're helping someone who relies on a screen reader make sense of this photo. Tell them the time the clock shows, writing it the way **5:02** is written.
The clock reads **1:06**
